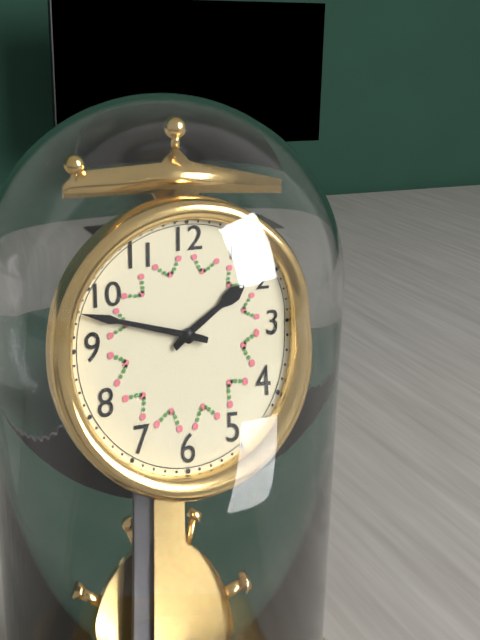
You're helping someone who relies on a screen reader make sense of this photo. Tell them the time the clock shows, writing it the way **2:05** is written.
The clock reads **1:48**
